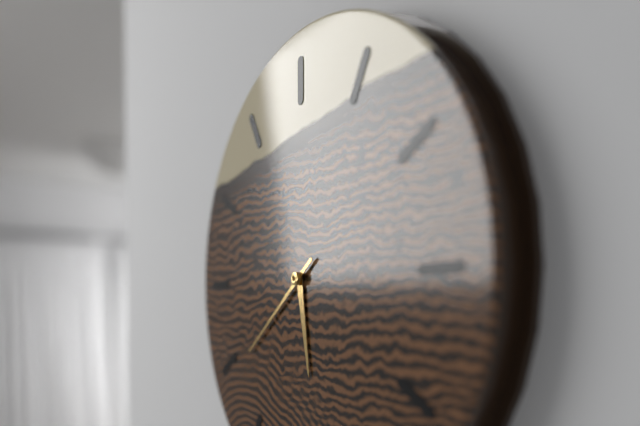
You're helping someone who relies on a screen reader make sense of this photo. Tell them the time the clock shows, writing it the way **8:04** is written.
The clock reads **5:39**
